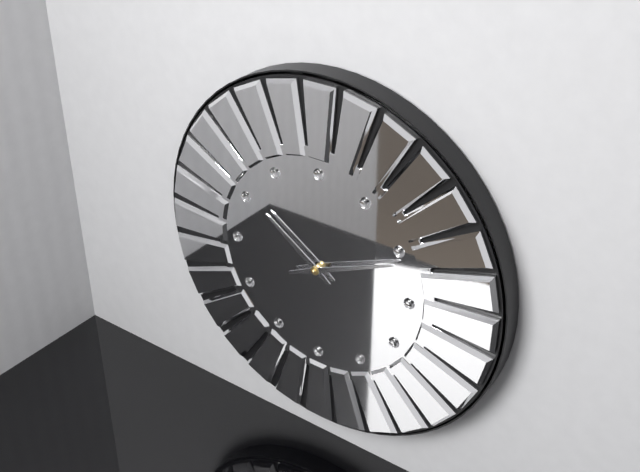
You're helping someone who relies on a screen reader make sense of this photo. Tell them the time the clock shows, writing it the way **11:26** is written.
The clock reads **10:11**
